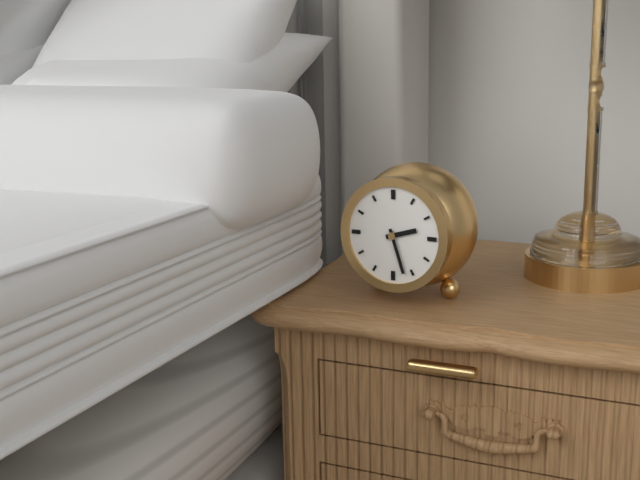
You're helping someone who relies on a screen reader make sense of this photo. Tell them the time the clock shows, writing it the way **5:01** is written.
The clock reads **2:27**
